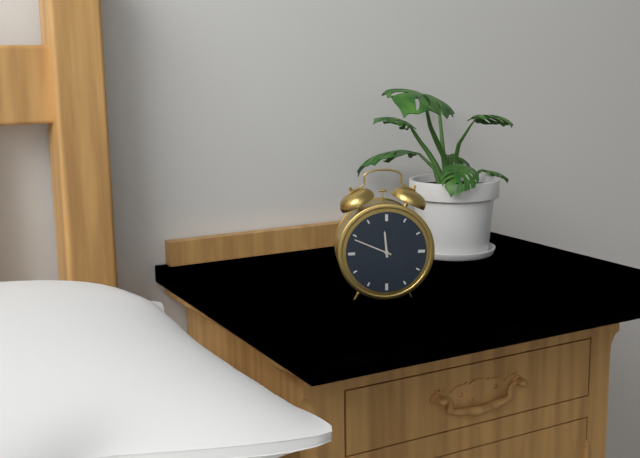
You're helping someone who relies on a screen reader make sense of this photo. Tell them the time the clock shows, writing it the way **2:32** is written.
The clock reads **11:49**
